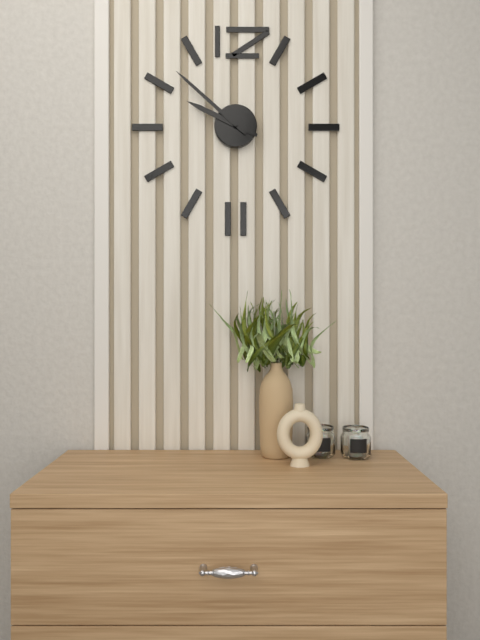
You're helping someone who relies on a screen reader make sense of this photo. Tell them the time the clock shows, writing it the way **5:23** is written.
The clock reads **9:52**
